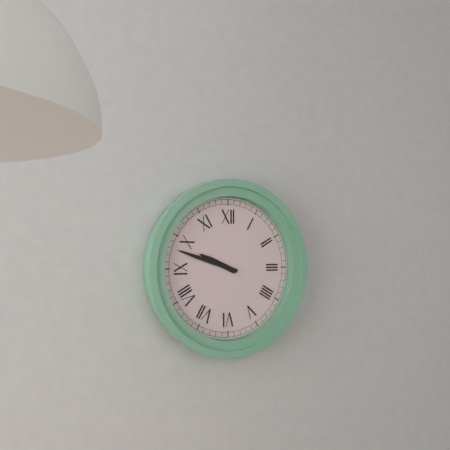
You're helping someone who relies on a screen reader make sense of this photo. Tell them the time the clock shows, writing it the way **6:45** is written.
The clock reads **9:48**
